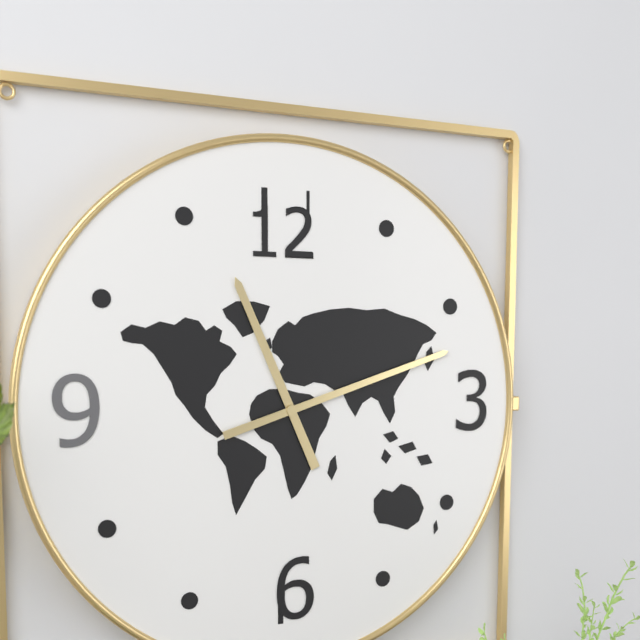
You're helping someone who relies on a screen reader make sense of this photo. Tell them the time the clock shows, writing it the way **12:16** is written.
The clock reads **11:12**
